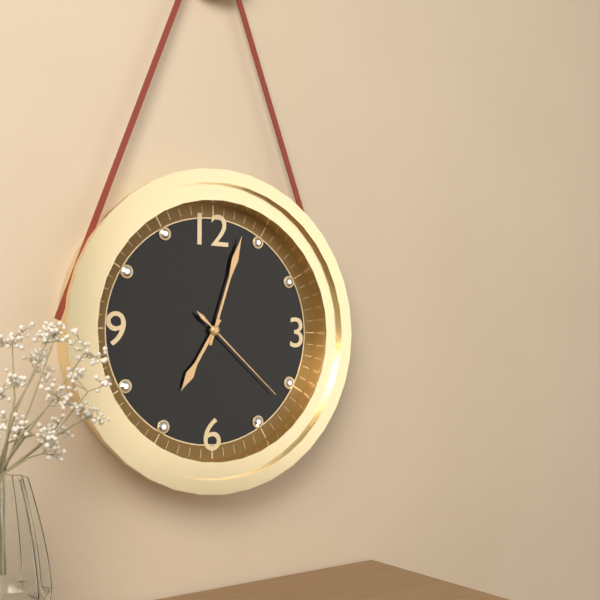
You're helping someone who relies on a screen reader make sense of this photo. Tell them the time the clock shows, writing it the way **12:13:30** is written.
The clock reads **7:03:22**
